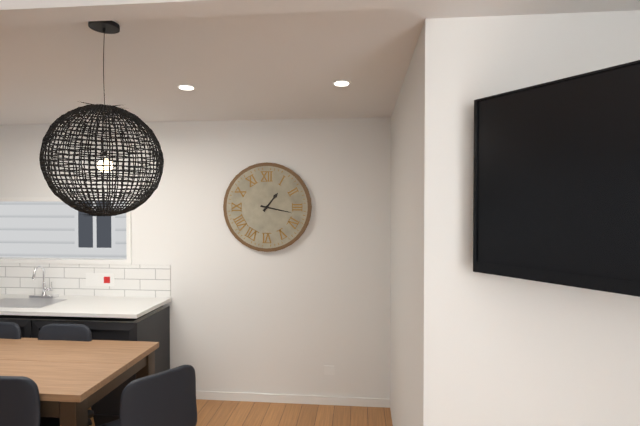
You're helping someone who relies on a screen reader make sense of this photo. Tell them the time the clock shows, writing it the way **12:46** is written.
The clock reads **1:17**
